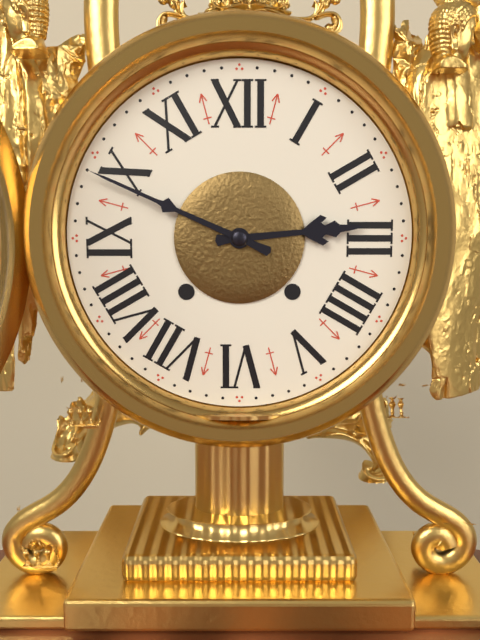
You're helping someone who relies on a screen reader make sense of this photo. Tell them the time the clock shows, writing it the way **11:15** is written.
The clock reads **2:49**
